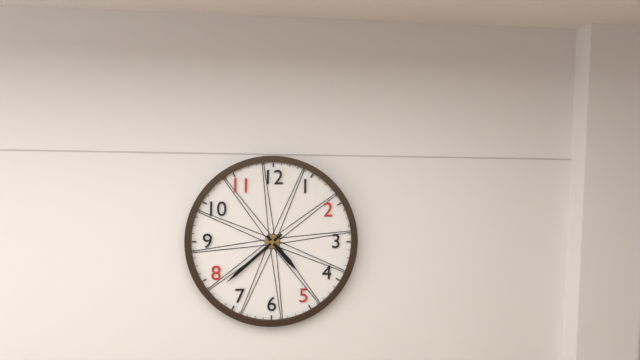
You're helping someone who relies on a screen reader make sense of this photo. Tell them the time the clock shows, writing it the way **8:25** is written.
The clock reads **4:38**
